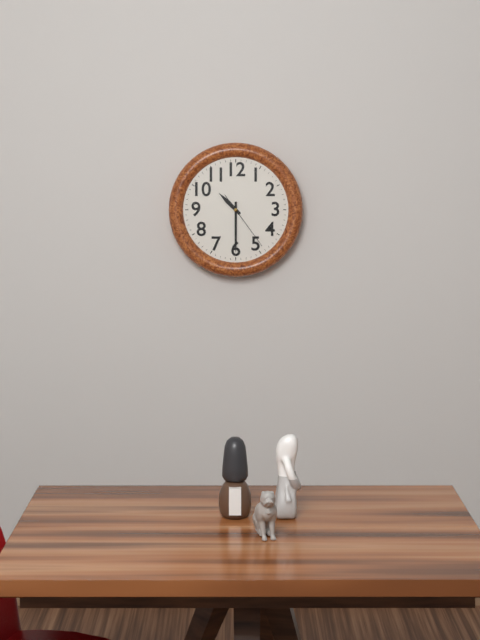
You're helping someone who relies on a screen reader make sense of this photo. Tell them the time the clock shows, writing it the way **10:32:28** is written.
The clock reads **10:30:24**
